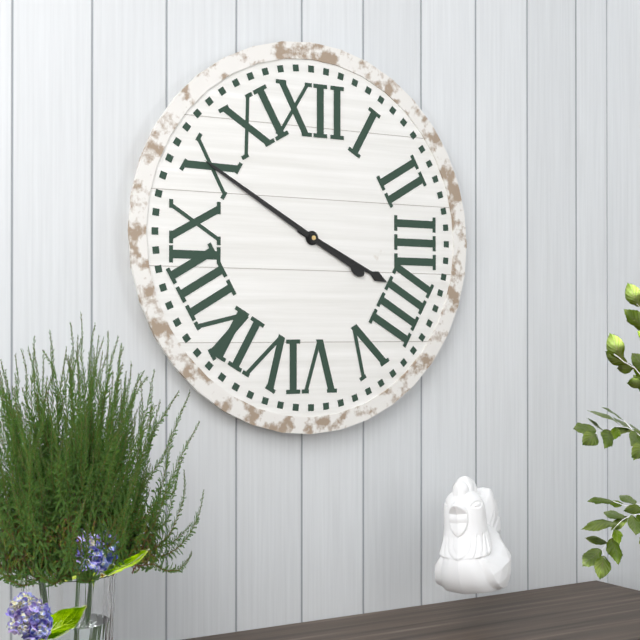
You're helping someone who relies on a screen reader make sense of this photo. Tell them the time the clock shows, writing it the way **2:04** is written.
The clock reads **3:50**
